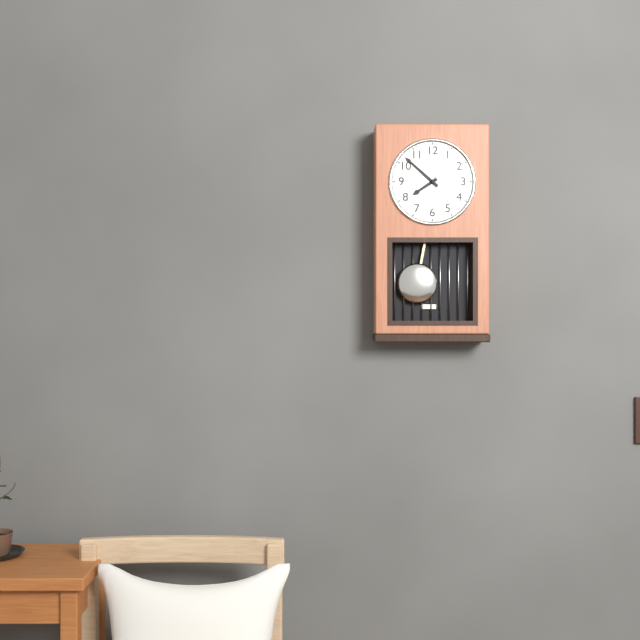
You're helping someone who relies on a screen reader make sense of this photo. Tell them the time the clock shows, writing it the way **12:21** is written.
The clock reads **7:52**
